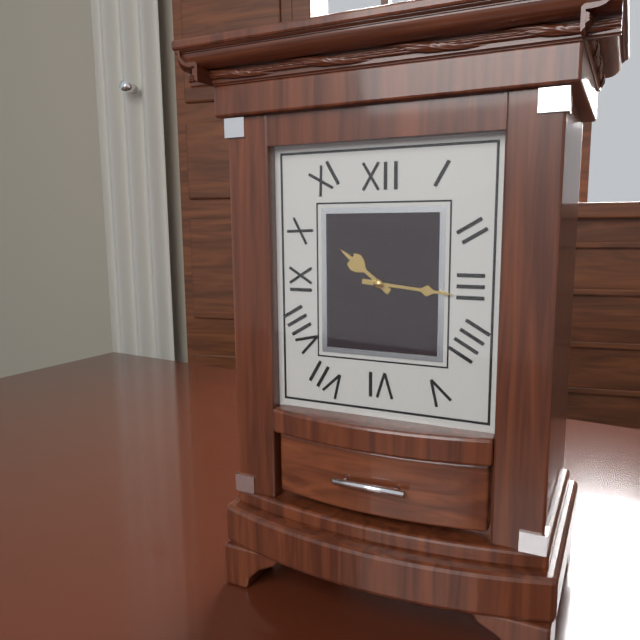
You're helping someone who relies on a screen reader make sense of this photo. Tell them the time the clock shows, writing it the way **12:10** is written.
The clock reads **10:16**
